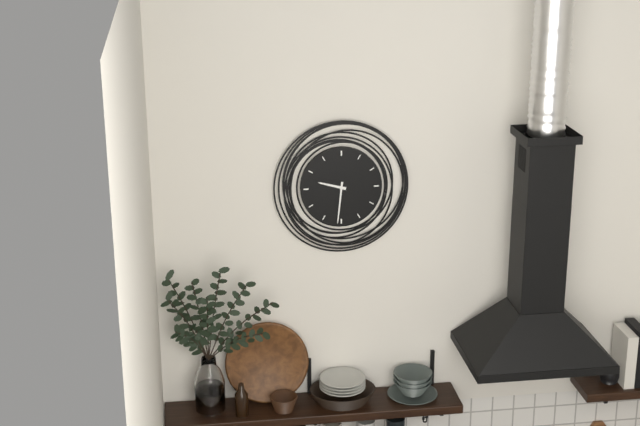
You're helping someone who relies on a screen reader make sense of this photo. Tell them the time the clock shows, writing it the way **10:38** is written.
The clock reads **9:31**
